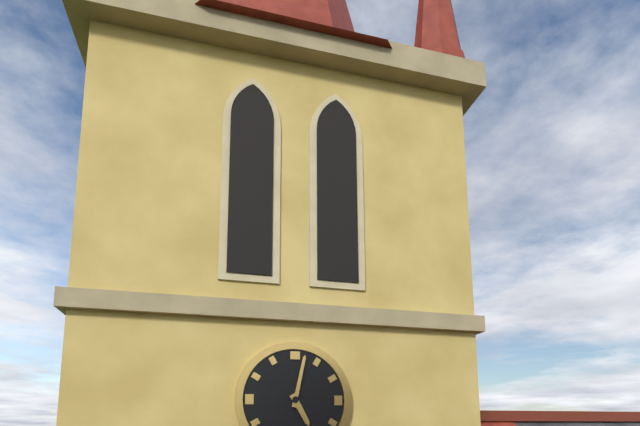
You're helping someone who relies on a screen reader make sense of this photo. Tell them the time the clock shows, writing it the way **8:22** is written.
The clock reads **5:02**
